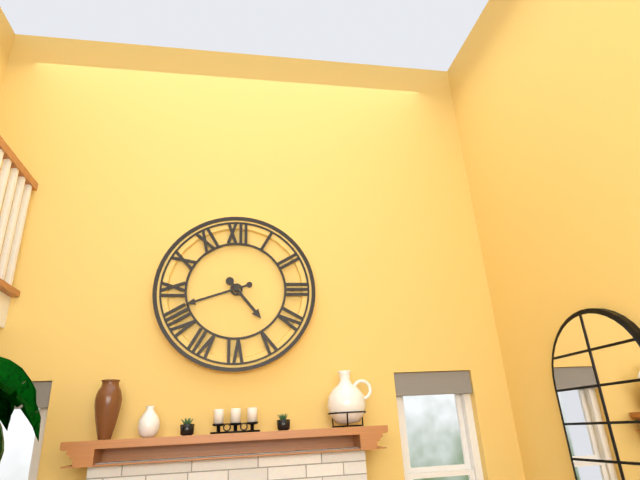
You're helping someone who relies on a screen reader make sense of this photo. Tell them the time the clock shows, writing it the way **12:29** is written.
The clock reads **4:42**
